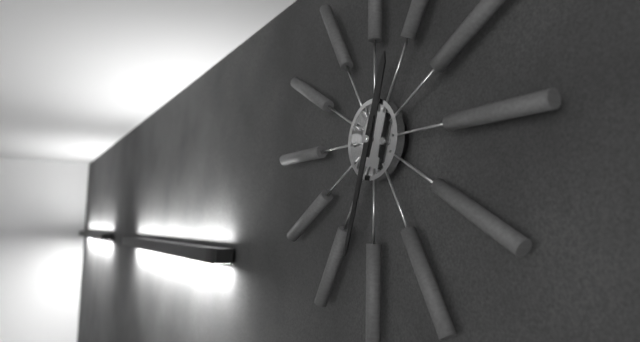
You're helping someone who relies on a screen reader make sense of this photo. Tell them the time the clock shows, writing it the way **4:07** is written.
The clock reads **12:33**
